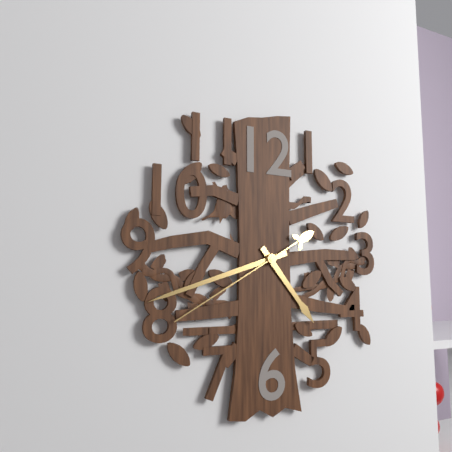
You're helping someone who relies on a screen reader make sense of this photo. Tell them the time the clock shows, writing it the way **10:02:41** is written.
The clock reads **4:42:40**
